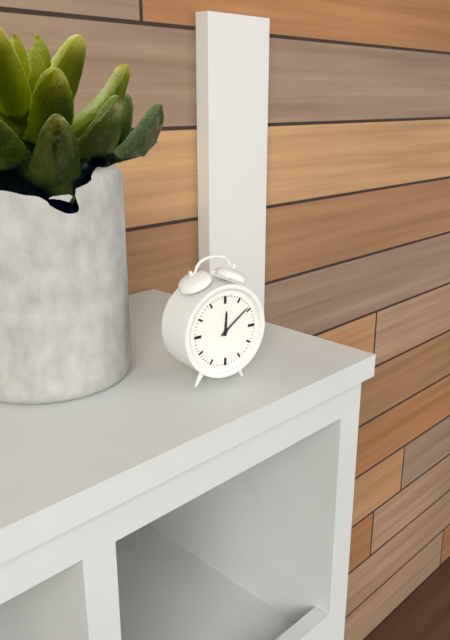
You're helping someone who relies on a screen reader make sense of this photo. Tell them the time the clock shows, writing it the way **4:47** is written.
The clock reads **12:09**
